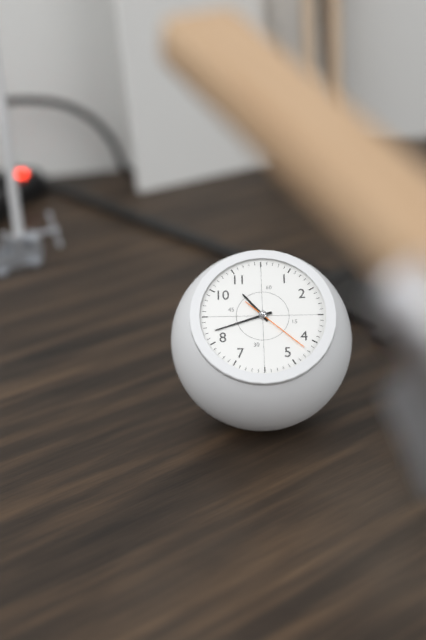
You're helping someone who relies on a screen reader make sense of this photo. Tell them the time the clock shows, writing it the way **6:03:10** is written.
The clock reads **10:42:22**
